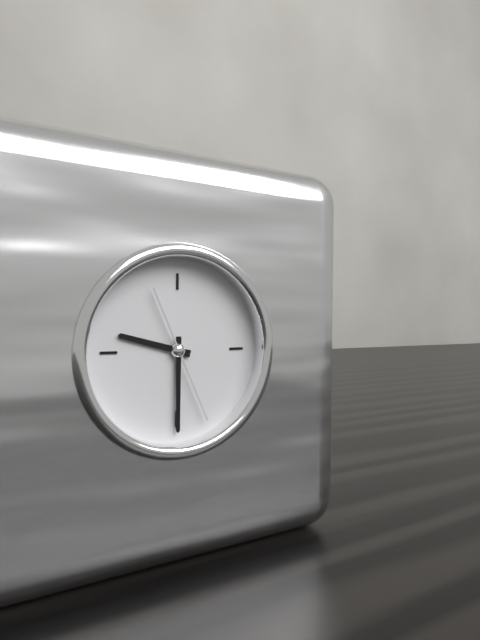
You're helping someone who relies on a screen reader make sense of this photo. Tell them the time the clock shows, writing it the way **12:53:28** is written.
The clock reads **9:30:26**
